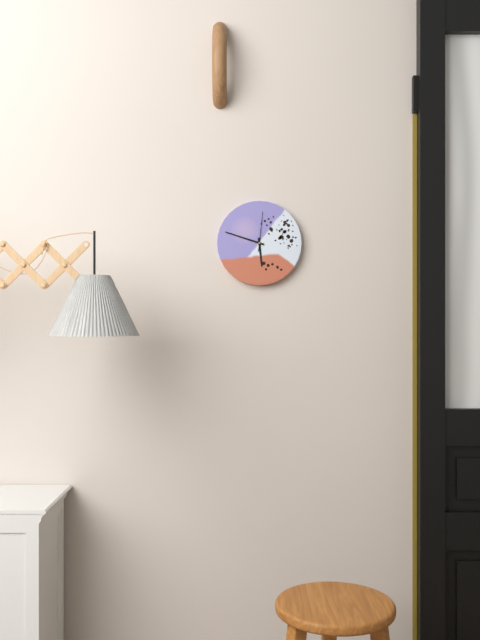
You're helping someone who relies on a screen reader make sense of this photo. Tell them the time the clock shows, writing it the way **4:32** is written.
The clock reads **5:48**
